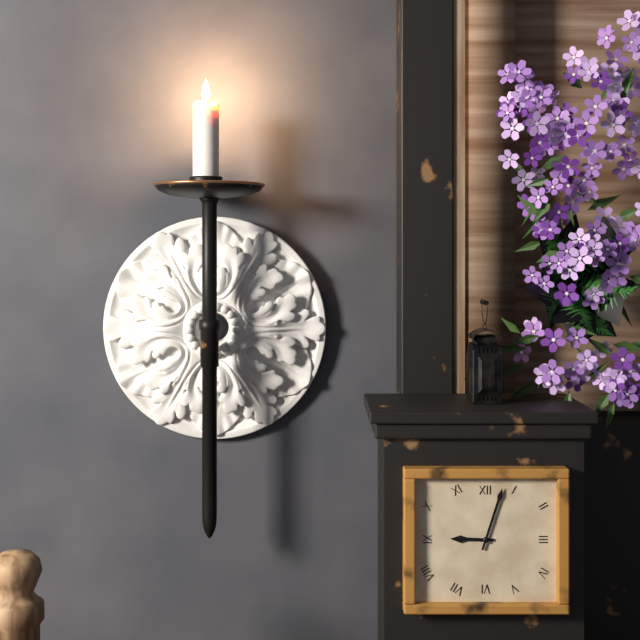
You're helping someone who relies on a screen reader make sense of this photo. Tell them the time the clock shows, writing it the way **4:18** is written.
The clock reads **9:03**
